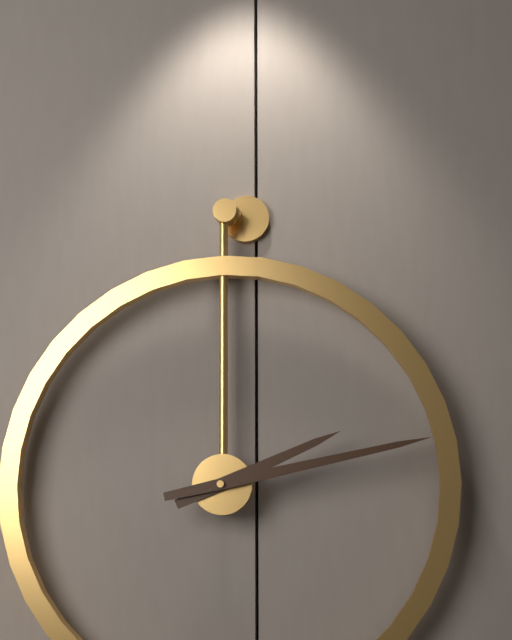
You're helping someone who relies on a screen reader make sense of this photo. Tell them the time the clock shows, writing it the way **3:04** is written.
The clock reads **2:13**
